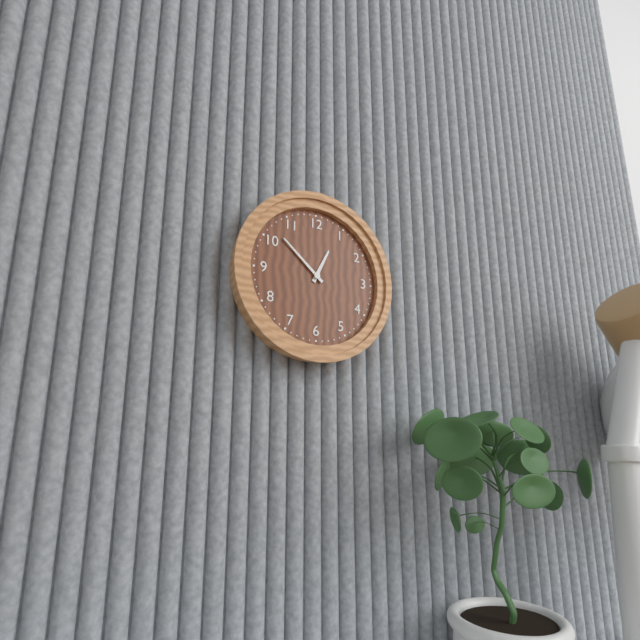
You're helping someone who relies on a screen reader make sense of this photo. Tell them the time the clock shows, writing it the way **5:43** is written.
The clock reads **12:52**
